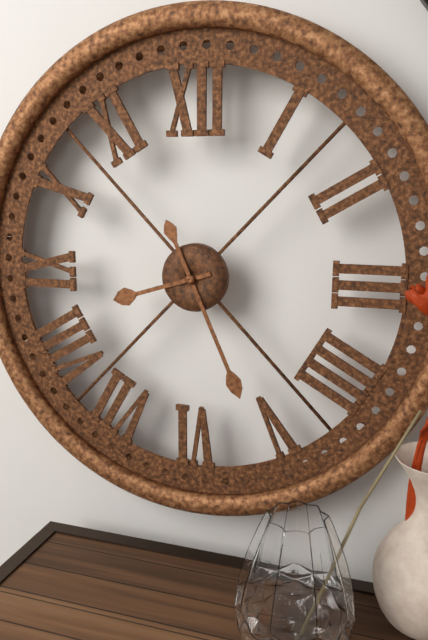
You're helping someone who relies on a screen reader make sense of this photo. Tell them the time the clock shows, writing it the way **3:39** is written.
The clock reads **8:26**
